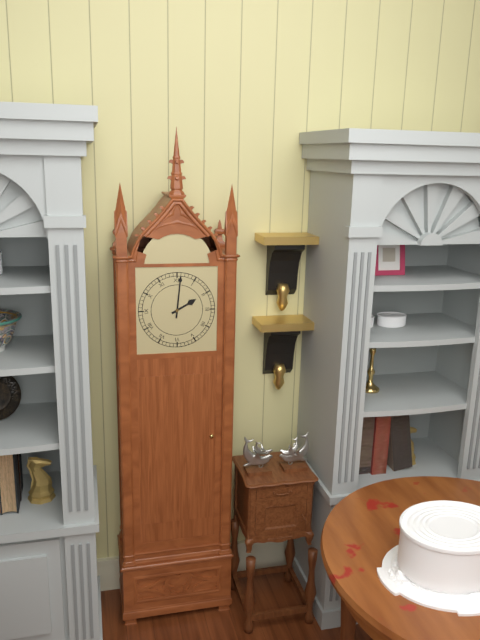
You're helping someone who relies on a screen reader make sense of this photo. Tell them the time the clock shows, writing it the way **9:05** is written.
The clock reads **2:01**
